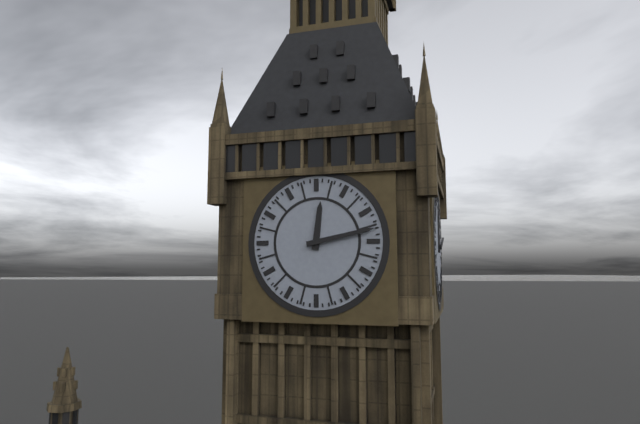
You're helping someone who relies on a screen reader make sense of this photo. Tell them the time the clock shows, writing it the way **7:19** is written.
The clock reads **12:13**
